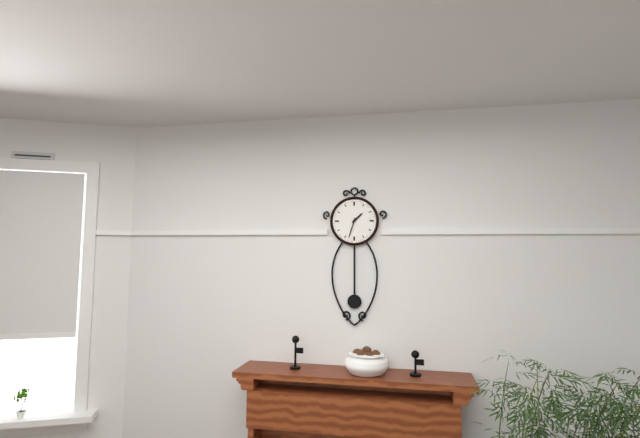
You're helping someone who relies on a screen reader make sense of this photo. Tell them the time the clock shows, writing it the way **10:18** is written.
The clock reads **1:33**
